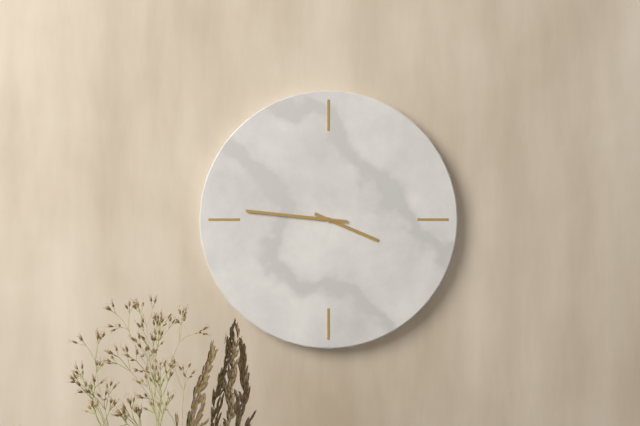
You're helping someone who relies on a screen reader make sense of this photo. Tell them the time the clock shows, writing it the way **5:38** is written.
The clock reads **3:46**
